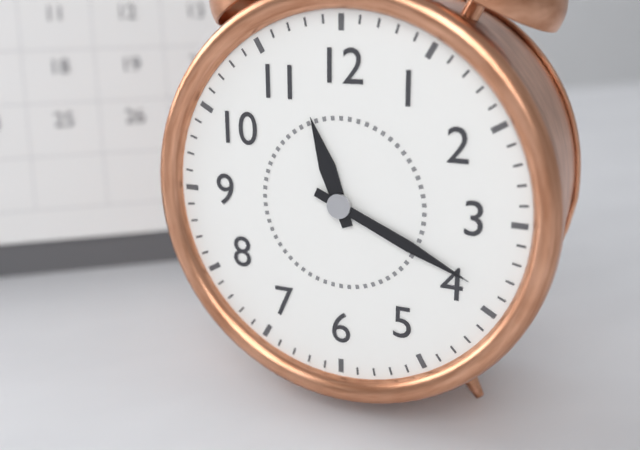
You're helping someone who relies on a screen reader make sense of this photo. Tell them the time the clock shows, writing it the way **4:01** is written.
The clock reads **11:19**
